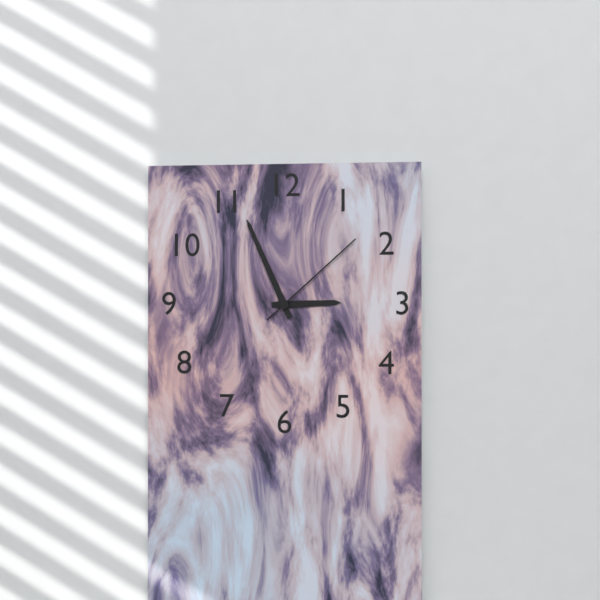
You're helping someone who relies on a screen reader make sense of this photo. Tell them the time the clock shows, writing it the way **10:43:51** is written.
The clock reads **2:56:08**
